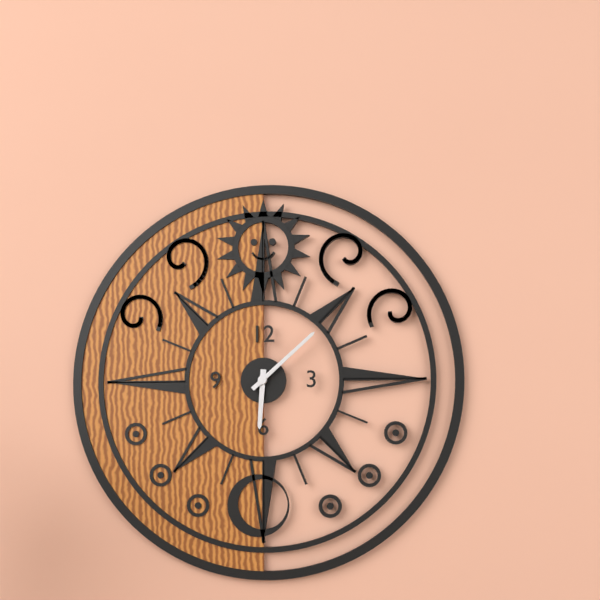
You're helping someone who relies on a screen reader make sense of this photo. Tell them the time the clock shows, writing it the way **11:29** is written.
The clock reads **6:08**
